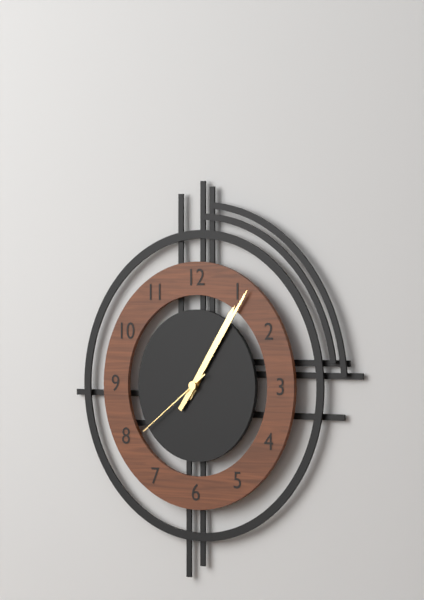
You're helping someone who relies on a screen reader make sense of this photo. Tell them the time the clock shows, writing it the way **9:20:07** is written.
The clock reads **1:06:39**
